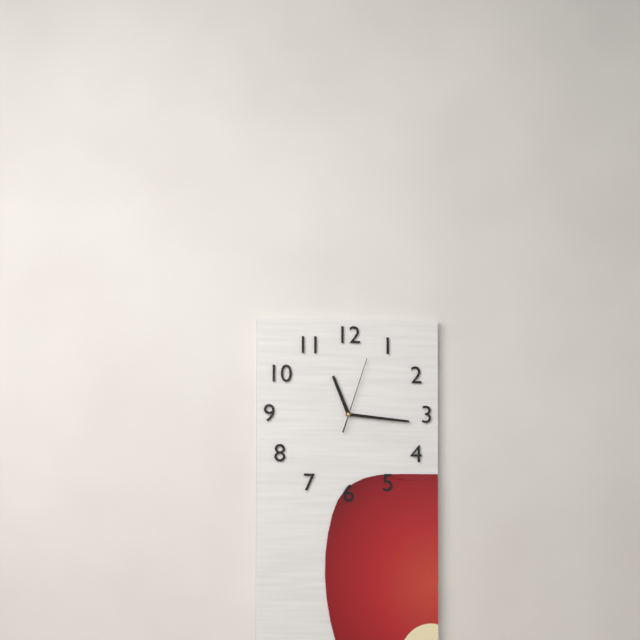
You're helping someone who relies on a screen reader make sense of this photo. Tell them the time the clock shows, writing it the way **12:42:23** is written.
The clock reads **11:16:03**
